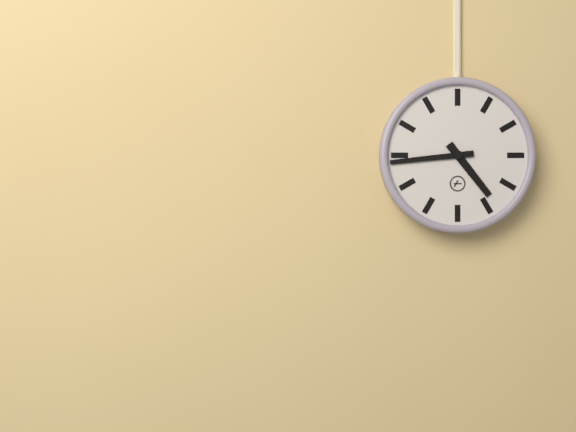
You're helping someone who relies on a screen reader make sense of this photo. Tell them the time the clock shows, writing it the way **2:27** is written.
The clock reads **4:44**
